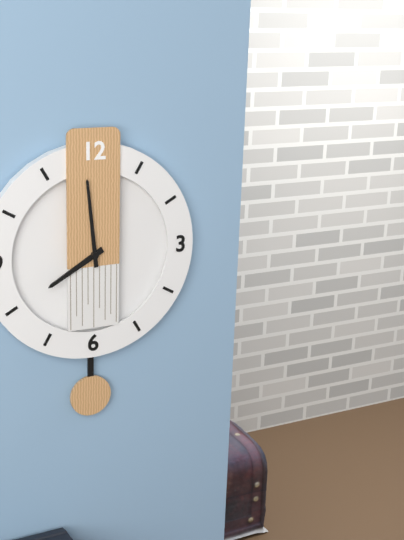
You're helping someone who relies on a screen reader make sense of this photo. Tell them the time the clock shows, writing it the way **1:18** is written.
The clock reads **7:59**
